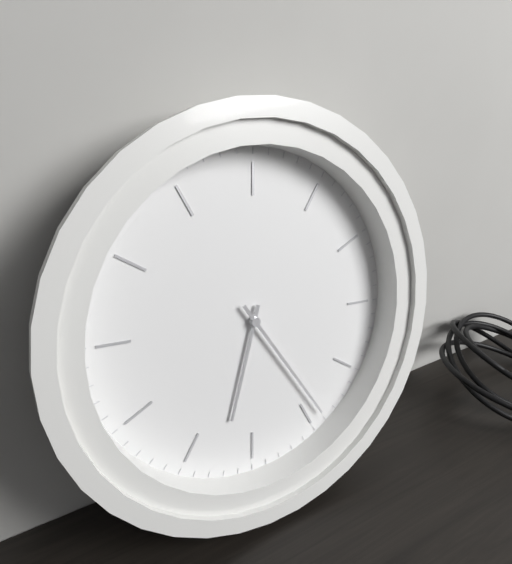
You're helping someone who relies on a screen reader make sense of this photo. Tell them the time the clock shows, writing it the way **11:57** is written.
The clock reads **7:29**
